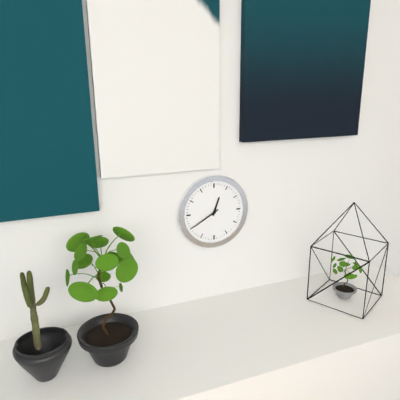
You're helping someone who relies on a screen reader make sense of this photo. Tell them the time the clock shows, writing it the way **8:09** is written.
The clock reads **12:40**
